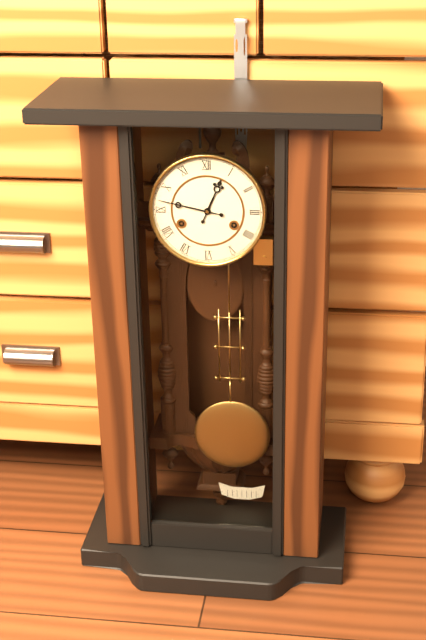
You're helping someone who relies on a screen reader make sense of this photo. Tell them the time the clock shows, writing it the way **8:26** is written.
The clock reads **12:47**
